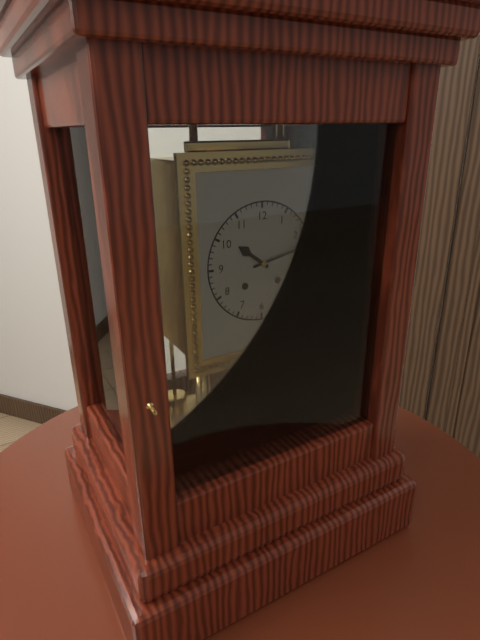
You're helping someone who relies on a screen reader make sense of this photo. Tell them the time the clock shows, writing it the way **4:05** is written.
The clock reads **10:13**
